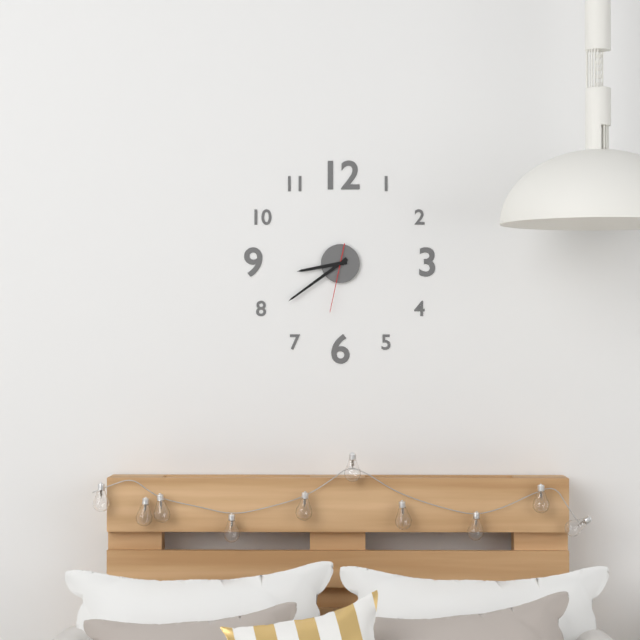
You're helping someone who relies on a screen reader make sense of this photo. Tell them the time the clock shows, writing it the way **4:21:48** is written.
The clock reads **8:39:32**
